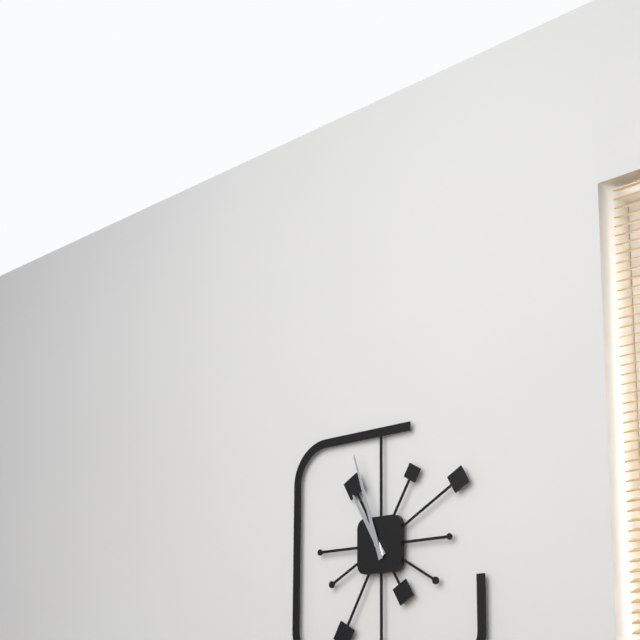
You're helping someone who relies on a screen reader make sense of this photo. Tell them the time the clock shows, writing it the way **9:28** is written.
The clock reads **10:57**
